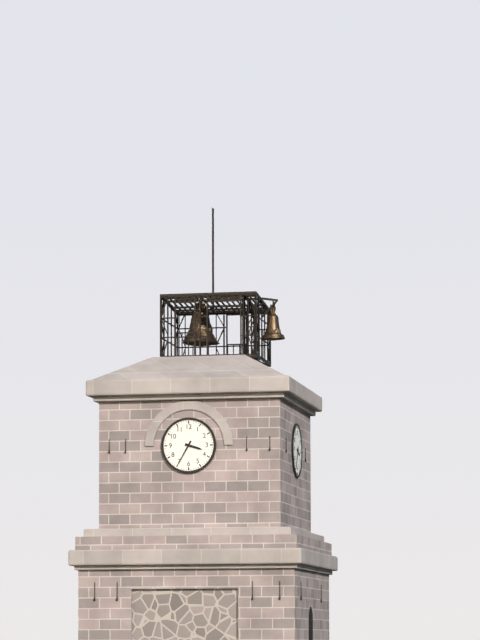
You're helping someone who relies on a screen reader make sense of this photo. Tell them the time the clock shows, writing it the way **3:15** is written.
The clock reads **3:35**
